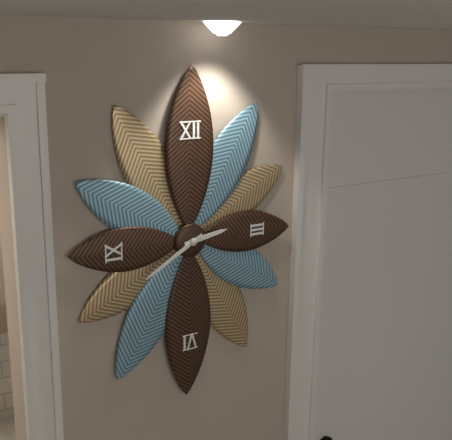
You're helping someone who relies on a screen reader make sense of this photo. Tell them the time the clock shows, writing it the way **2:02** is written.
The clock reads **2:40**
